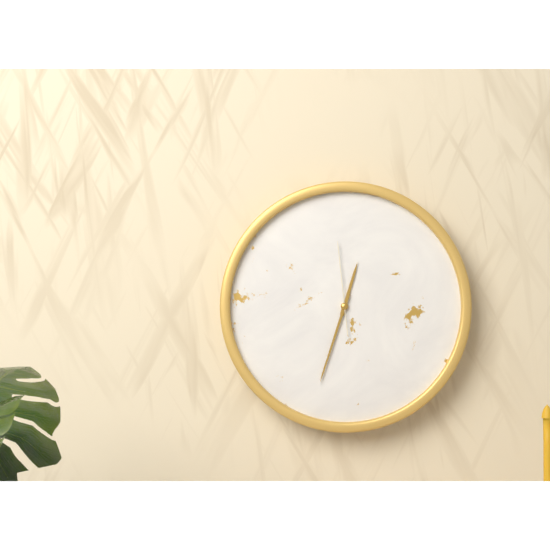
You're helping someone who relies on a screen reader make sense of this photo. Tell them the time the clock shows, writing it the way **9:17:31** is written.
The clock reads **12:33:59**
